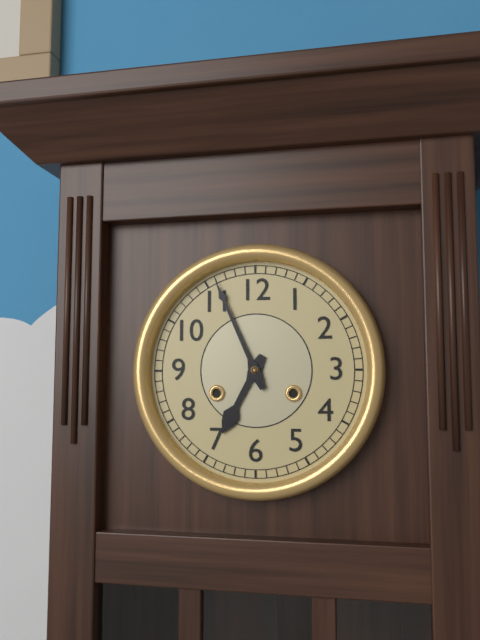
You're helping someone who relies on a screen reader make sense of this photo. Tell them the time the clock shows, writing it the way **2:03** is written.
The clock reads **6:56**
